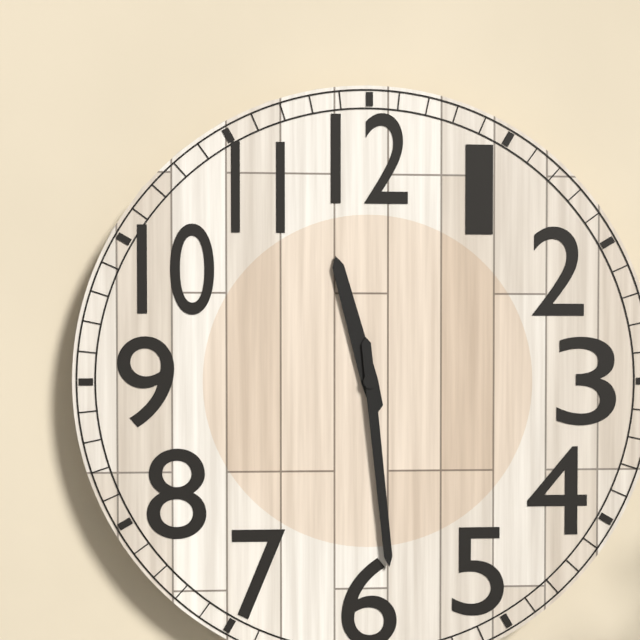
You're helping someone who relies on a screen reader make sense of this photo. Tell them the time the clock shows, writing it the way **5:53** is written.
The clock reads **11:29**
